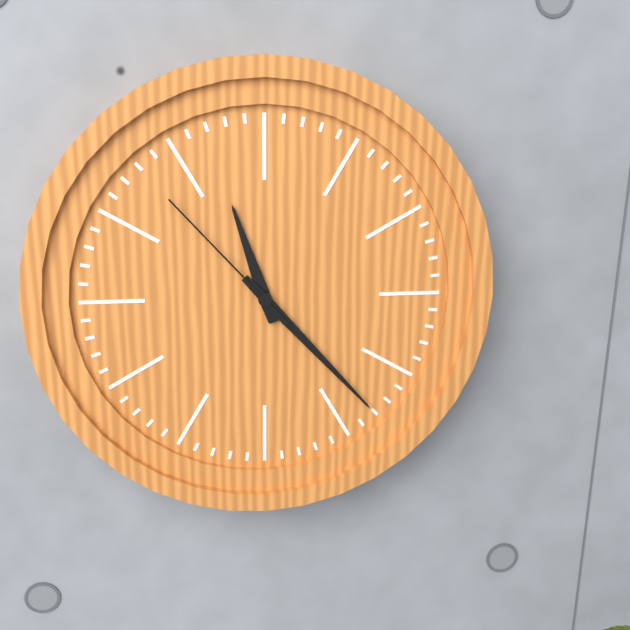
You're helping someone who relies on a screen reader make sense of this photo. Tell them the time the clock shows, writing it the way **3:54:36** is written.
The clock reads **11:23:53**
